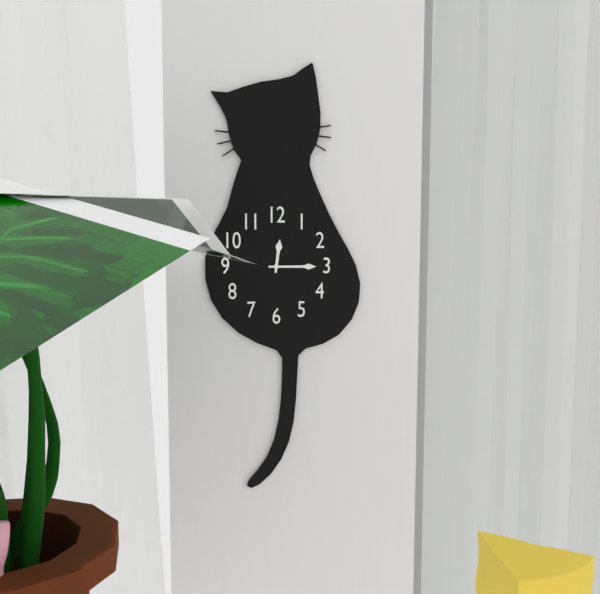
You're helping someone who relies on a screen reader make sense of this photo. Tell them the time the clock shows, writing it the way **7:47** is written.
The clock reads **12:15**
